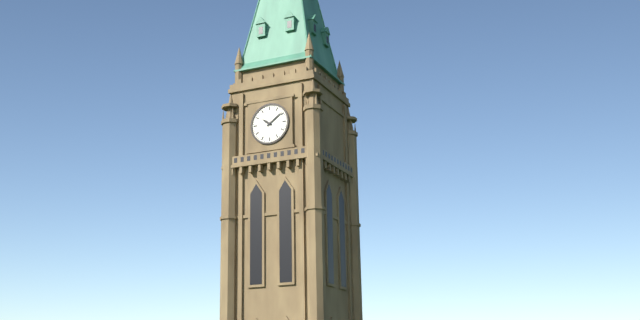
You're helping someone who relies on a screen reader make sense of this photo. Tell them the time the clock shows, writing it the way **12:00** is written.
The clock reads **10:09**
